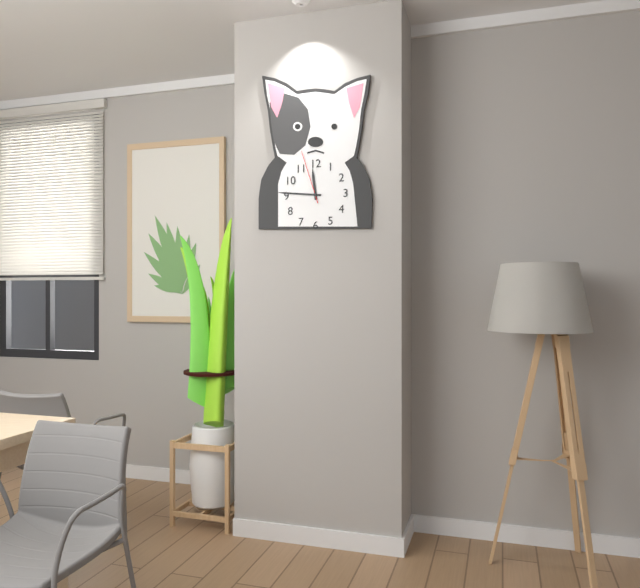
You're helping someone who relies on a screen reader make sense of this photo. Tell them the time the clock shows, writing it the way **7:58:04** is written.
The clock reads **11:46:57**
